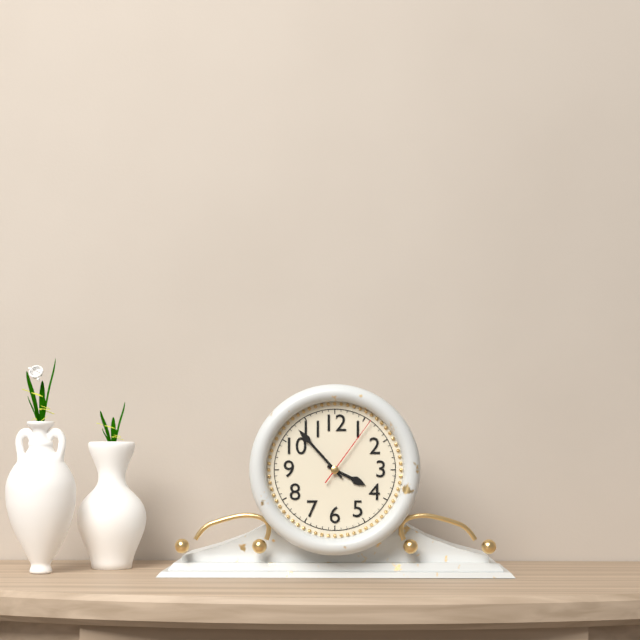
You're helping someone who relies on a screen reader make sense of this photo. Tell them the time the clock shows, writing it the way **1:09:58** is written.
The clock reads **3:53:06**
